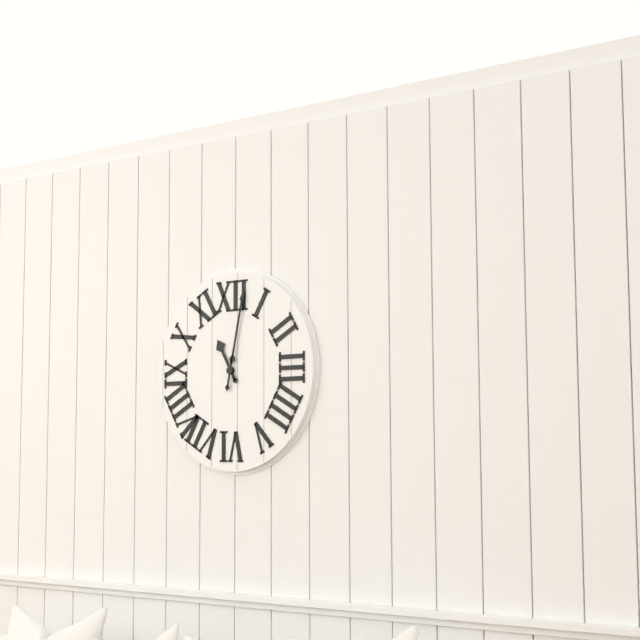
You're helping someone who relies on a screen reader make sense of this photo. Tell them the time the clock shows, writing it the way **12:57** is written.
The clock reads **11:02**
